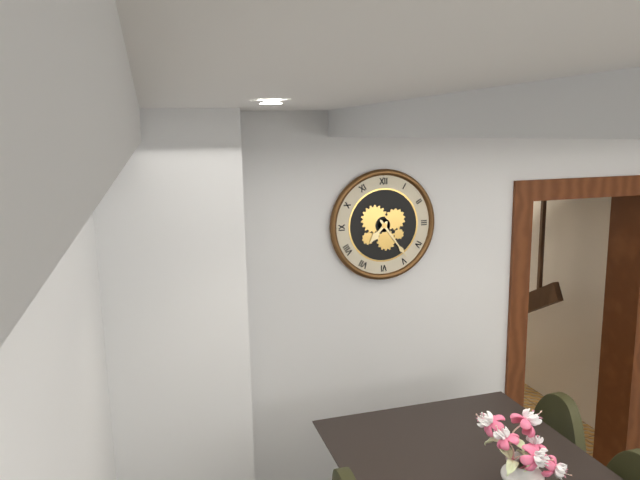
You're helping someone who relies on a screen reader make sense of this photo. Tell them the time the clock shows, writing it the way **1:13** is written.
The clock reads **7:24**
